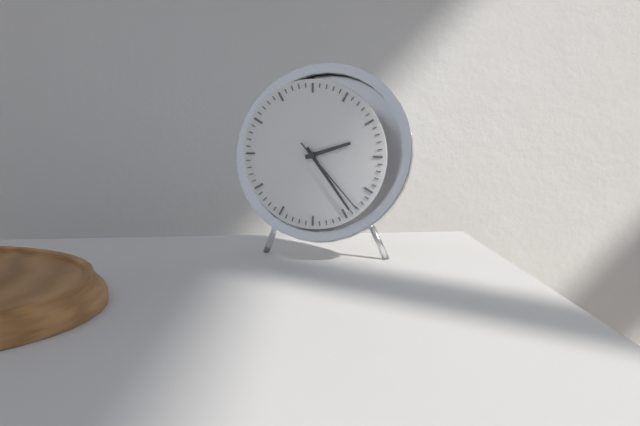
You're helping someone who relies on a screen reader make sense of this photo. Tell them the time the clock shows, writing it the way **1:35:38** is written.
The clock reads **2:24:23**
